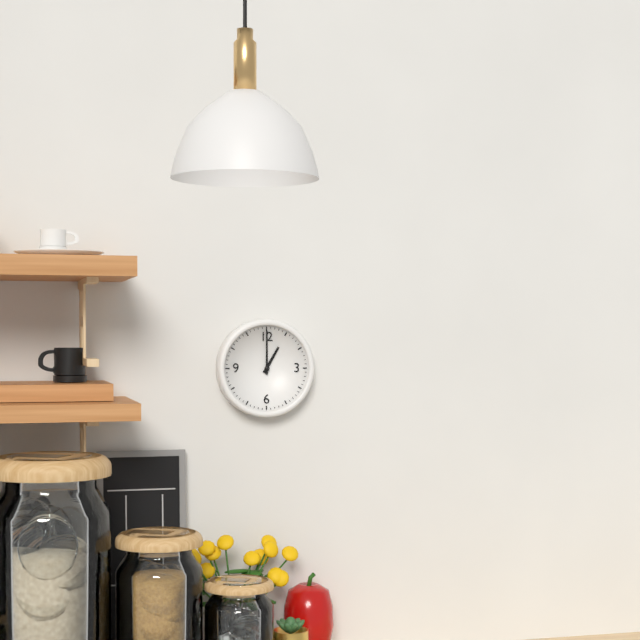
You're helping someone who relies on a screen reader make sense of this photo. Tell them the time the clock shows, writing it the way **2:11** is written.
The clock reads **1:00**
